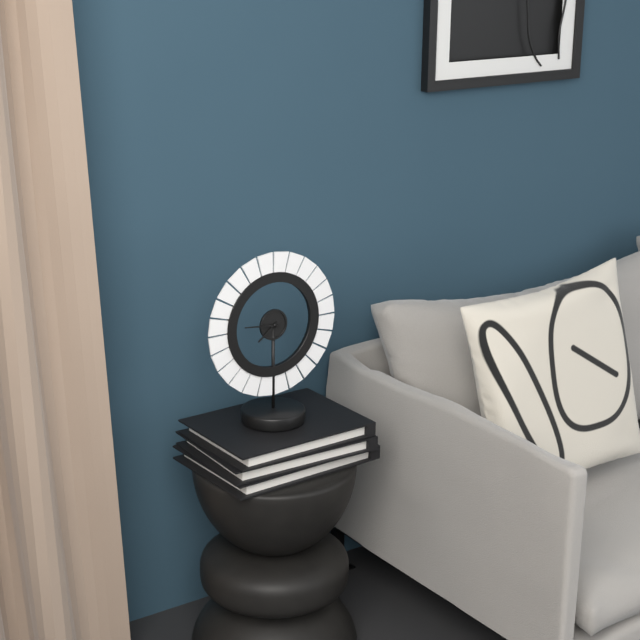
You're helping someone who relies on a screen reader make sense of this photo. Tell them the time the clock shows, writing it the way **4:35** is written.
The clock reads **7:46**
